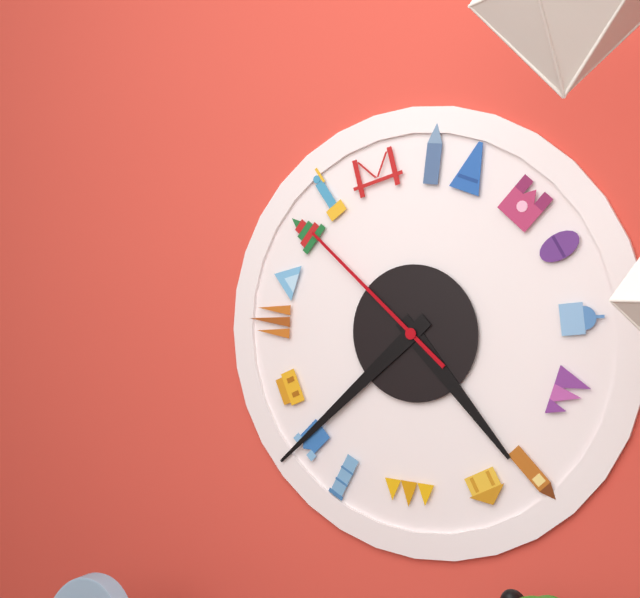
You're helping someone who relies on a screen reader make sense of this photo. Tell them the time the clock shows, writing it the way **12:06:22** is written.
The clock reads **4:38:52**
